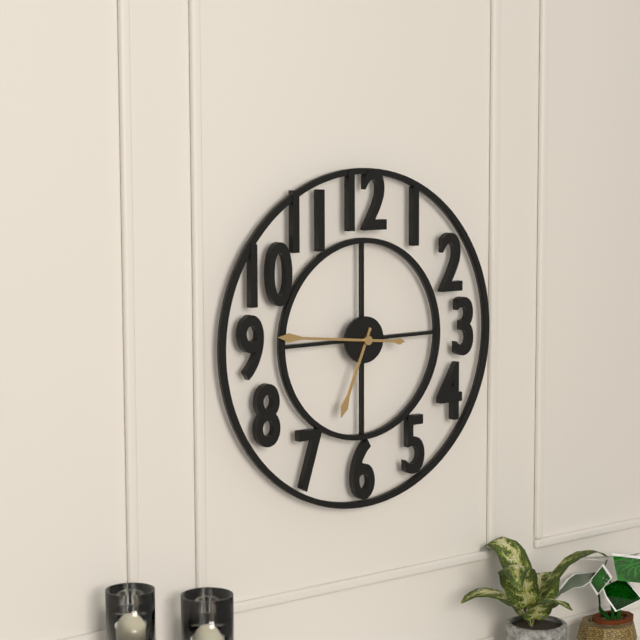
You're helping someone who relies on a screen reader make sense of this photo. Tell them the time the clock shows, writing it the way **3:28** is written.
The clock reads **6:46**
